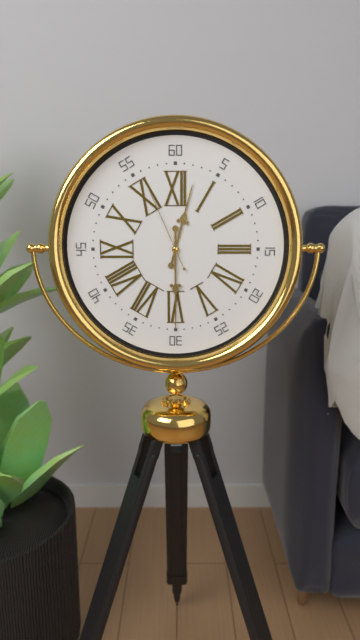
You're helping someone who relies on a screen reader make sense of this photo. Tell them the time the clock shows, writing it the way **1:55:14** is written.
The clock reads **12:30:56**
